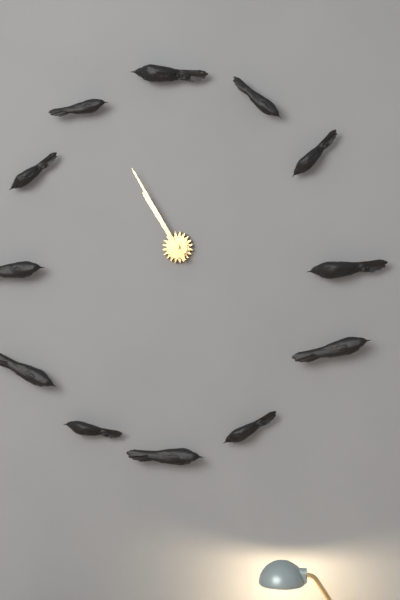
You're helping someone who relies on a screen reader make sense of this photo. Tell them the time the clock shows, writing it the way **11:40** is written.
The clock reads **10:55**
